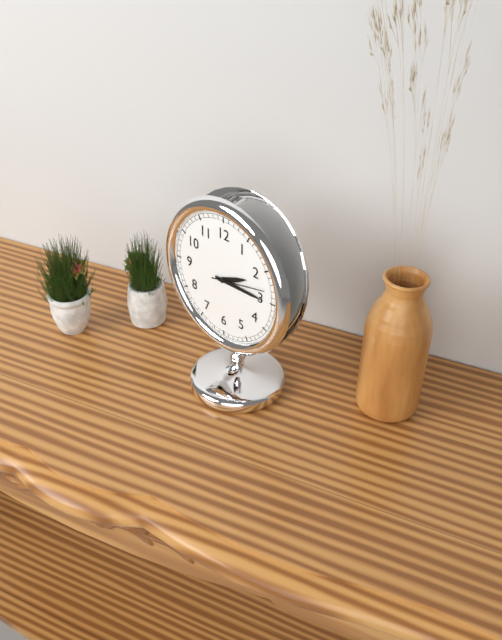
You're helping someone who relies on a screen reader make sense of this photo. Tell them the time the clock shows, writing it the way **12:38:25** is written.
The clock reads **2:15:13**
